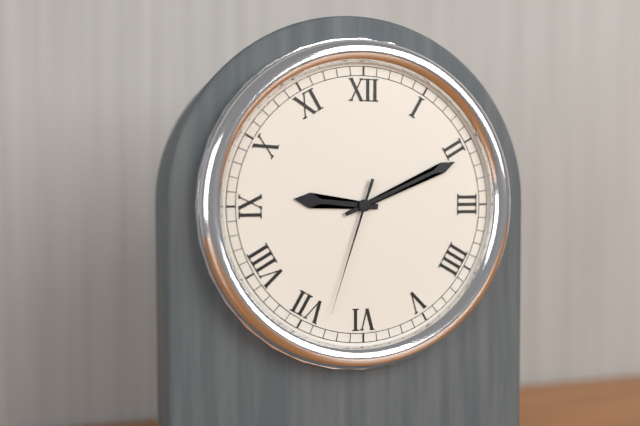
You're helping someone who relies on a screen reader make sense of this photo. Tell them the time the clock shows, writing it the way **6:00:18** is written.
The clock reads **9:11:33**
